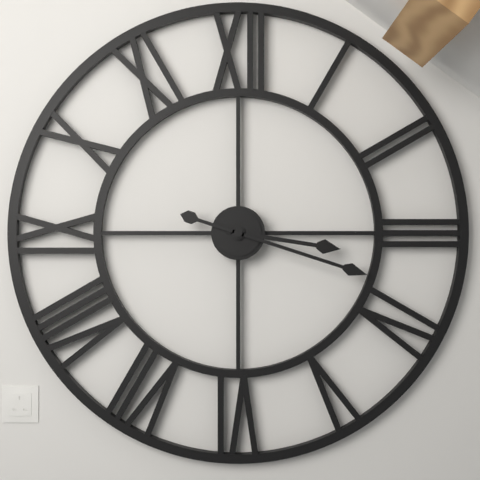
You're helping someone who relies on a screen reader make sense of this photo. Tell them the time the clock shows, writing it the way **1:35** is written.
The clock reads **3:18**
